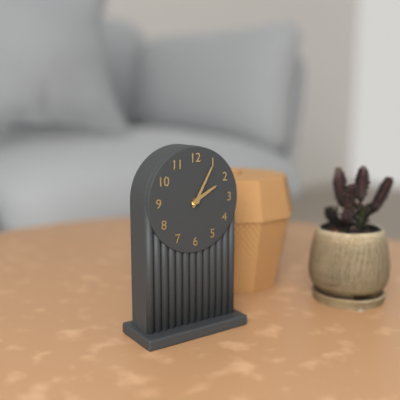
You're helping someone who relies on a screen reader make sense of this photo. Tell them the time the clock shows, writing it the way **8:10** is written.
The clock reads **2:05**
